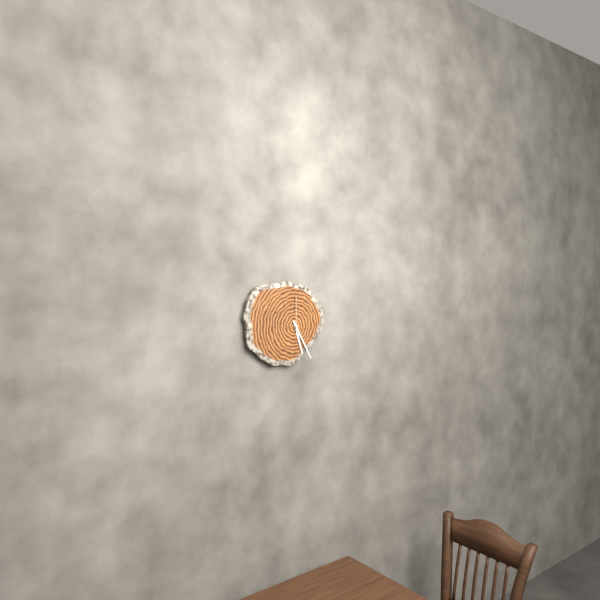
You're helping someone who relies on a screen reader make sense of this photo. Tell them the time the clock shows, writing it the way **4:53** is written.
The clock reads **5:25**
